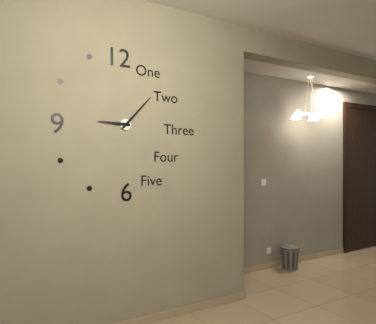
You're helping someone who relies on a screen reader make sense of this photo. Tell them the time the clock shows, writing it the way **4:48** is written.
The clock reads **9:07**
